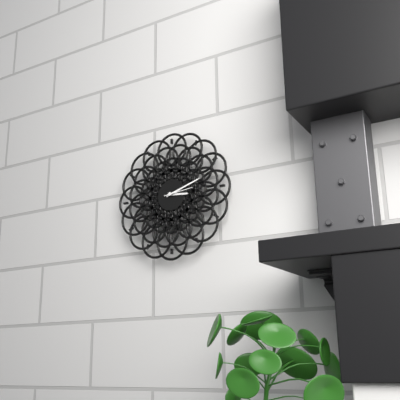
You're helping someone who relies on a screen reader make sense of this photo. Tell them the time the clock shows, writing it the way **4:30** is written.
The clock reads **3:12**
